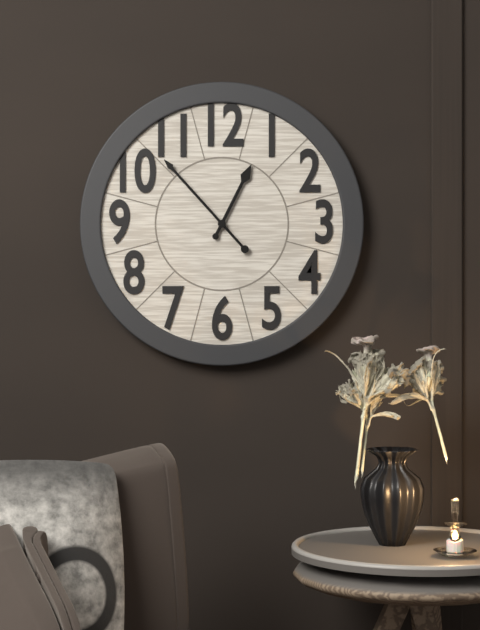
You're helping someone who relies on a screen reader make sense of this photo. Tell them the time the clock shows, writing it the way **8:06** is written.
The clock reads **12:53**
